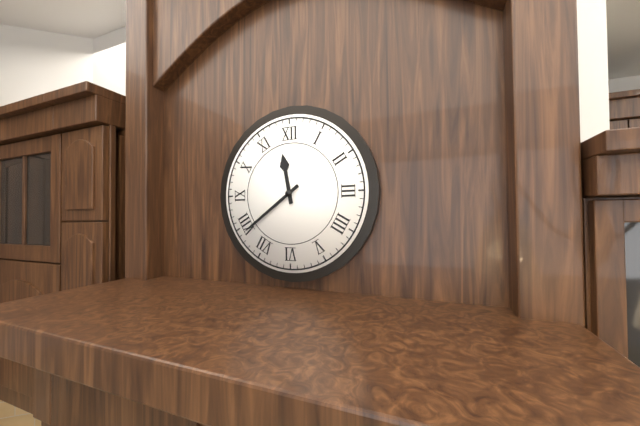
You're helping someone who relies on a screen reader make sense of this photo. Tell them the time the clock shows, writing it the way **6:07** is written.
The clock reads **11:39**
